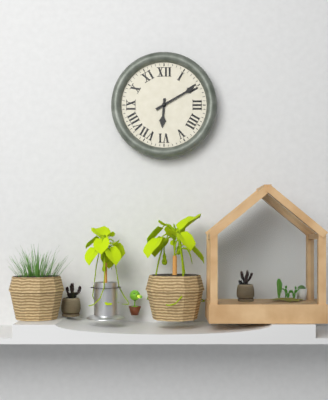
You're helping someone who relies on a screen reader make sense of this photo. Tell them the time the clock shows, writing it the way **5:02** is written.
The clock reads **6:10**
